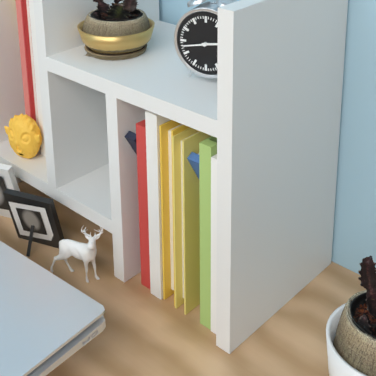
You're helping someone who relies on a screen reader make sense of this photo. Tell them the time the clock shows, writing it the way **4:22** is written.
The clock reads **2:43**
